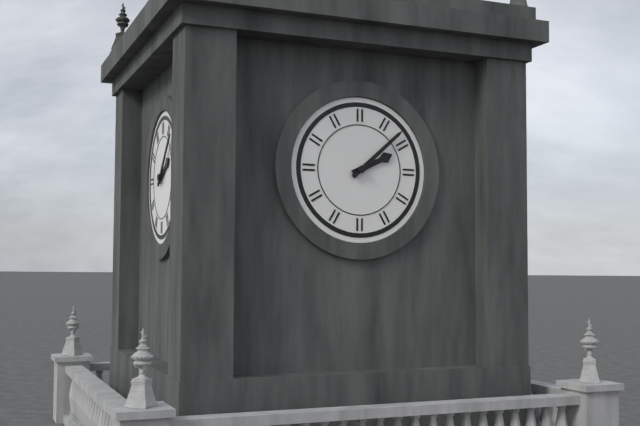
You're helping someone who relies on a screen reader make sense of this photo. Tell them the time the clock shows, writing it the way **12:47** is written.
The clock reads **2:08**
